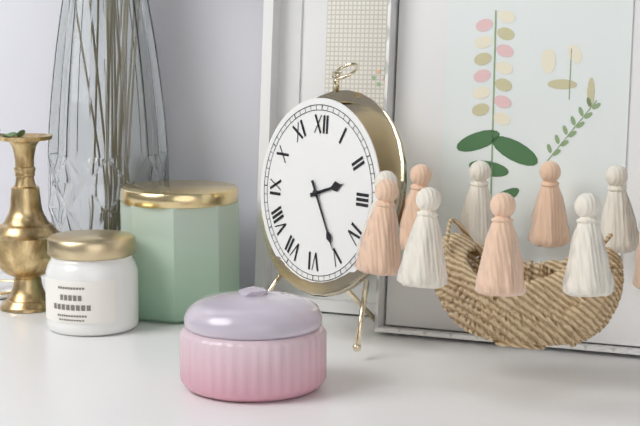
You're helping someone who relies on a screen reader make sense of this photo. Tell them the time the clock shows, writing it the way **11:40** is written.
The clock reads **2:25**
